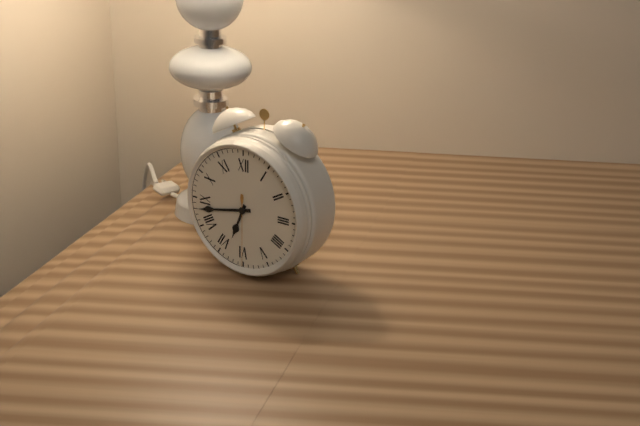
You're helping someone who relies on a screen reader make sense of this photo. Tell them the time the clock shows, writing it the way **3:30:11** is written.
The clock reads **6:43:30**
